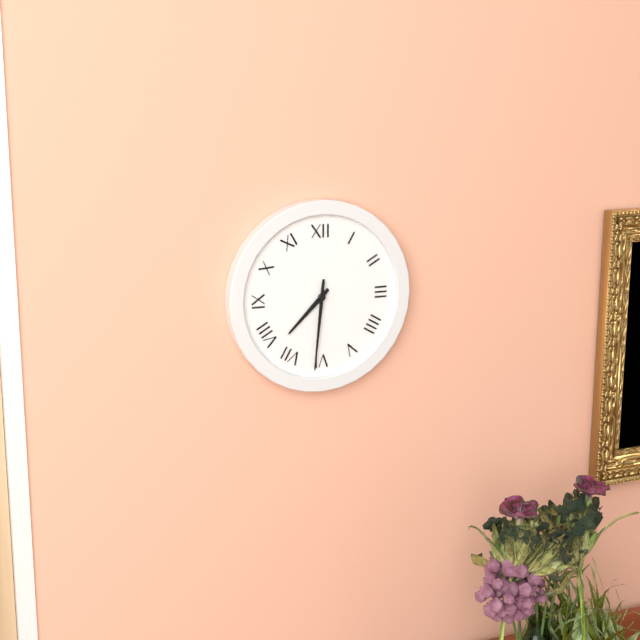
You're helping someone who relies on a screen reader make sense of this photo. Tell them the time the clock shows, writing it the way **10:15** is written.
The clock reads **7:31**
